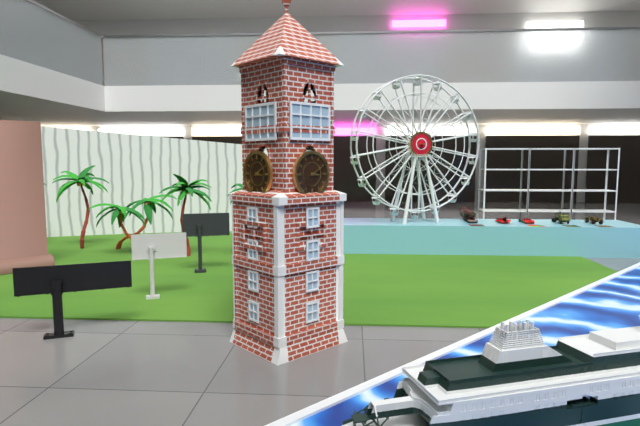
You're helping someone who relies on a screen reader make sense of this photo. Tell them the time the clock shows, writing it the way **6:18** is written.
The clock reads **3:10**
